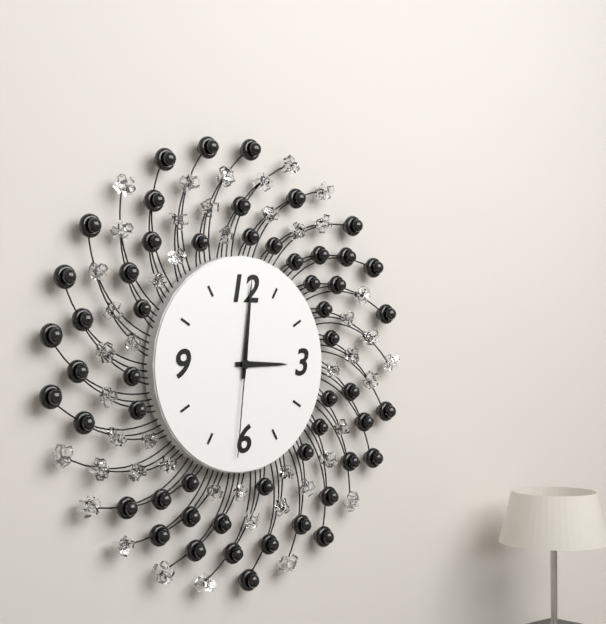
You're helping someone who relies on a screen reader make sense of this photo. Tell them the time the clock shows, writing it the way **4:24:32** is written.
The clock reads **3:01:31**
